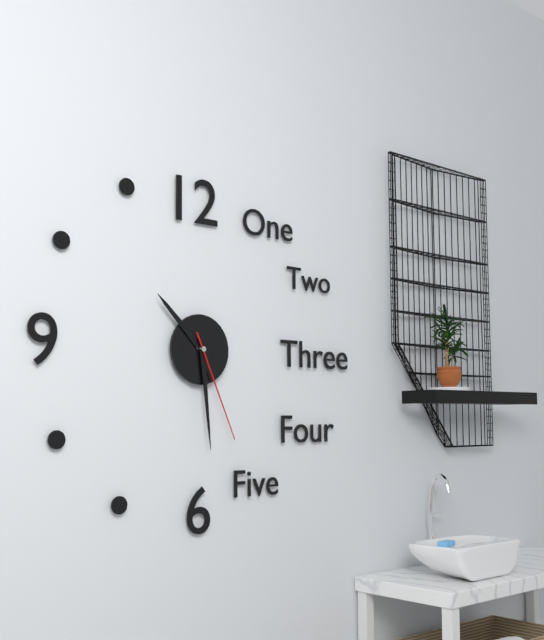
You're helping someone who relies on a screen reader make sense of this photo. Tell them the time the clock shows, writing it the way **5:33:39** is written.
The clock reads **10:29:26**
